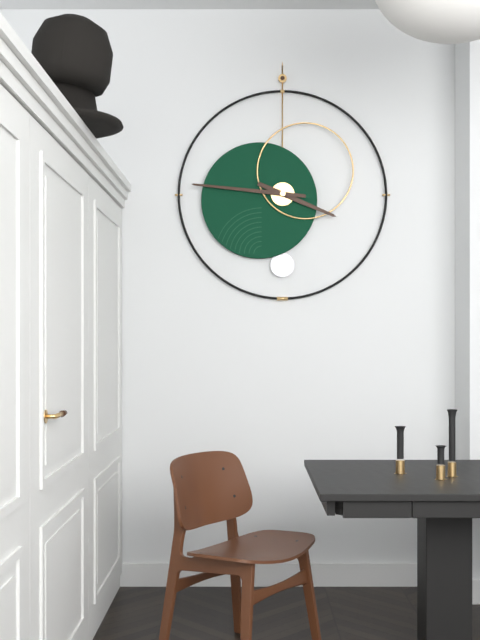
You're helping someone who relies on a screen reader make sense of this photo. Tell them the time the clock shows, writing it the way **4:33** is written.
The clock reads **3:46**
